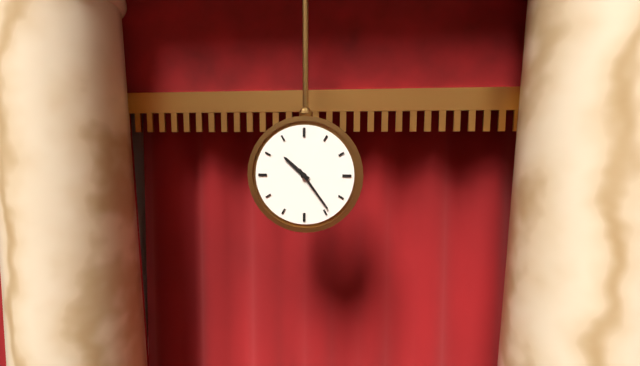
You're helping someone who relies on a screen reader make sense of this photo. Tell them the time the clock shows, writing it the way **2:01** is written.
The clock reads **10:24**
